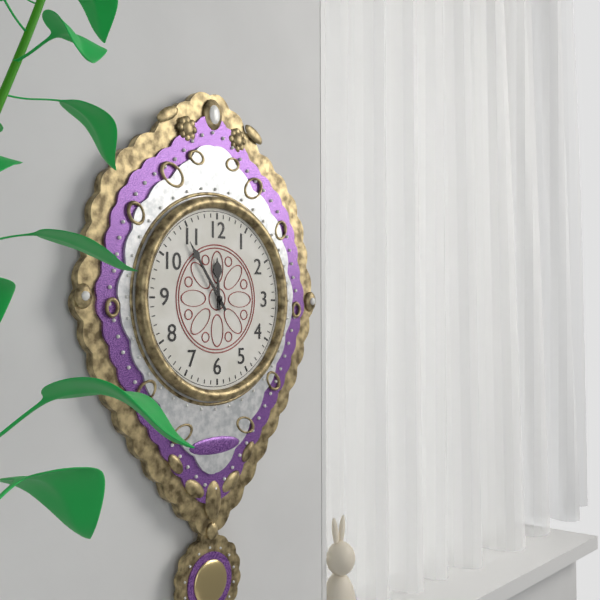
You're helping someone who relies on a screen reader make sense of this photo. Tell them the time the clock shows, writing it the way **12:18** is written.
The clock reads **11:54**
